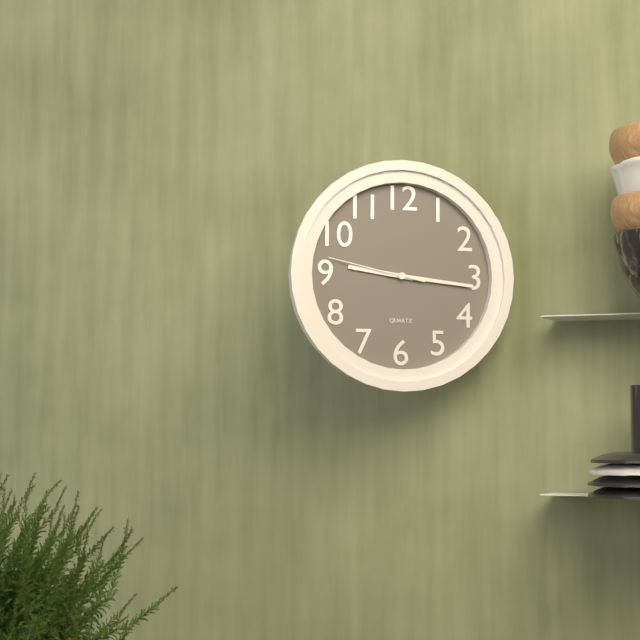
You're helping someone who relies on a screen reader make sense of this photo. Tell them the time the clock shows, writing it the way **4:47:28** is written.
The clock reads **9:16:47**
